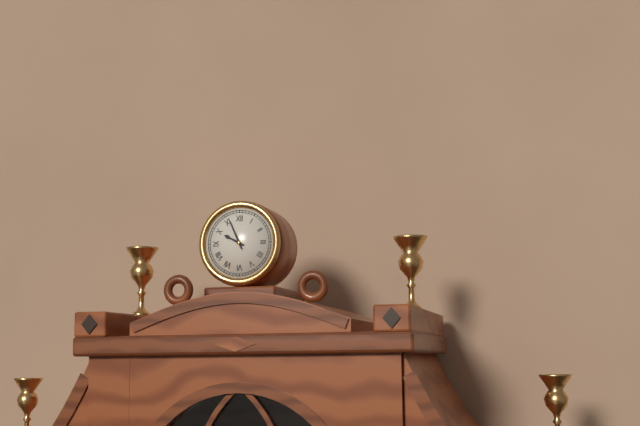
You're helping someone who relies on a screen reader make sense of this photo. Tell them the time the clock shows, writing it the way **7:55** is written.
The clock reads **9:56**
